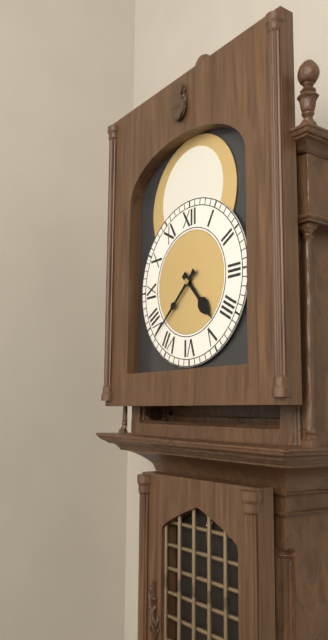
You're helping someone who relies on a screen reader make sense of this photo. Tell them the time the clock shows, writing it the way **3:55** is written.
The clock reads **4:38**
